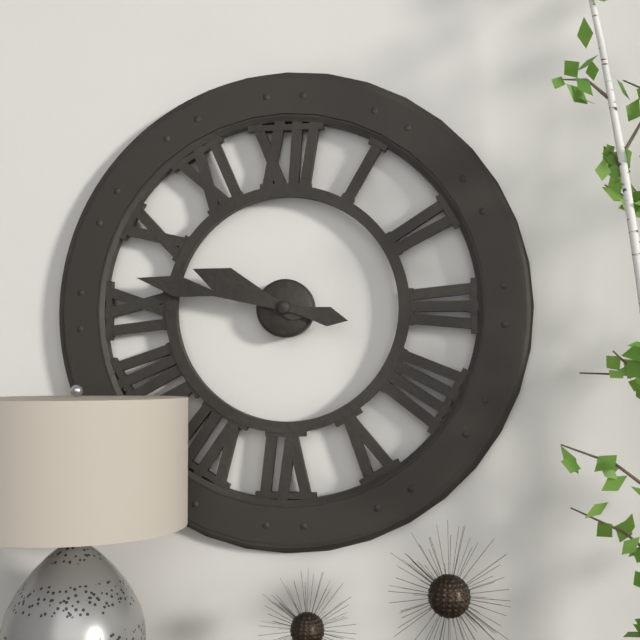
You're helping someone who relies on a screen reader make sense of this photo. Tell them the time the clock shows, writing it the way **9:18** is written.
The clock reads **9:47**
